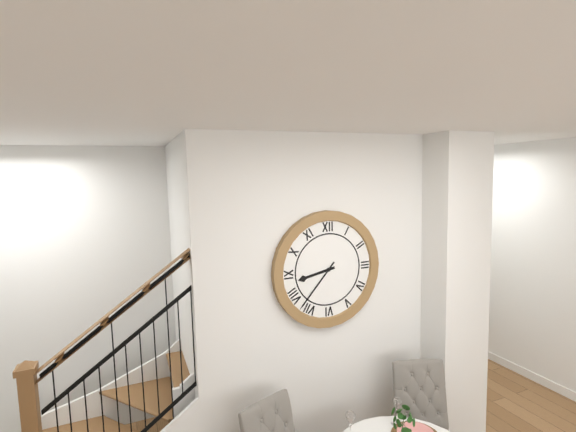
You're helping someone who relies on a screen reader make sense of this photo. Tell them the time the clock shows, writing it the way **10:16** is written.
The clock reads **8:37**
